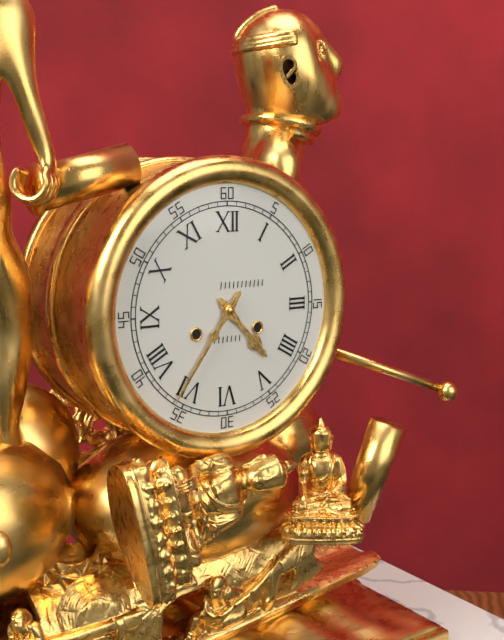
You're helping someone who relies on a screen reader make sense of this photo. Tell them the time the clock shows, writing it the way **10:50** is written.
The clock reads **4:36**
